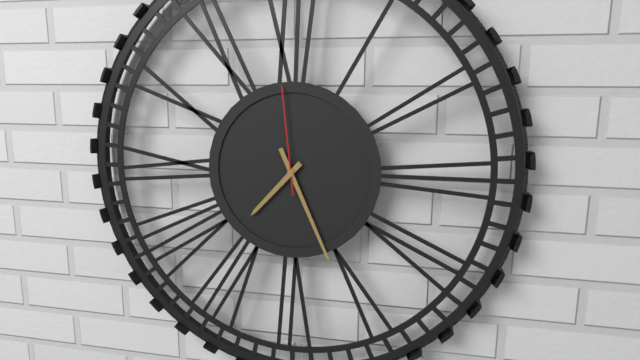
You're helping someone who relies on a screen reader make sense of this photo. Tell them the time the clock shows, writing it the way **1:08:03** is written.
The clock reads **7:26:59**
